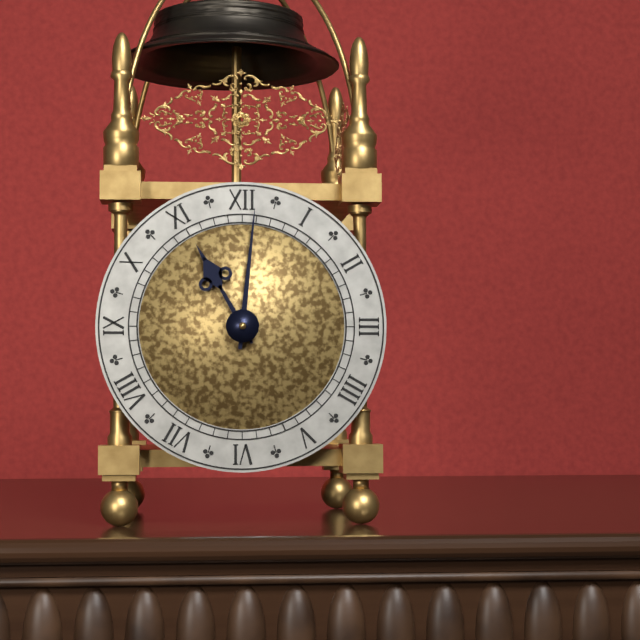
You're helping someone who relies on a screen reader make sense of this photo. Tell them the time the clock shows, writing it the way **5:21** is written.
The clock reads **11:01**
